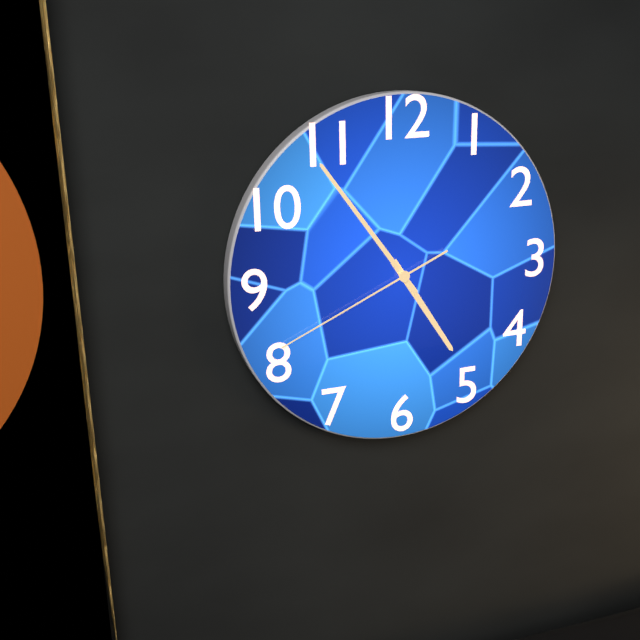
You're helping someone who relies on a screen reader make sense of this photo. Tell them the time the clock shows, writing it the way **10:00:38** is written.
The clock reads **4:54:41**
